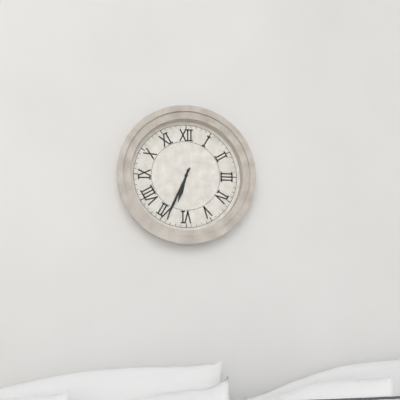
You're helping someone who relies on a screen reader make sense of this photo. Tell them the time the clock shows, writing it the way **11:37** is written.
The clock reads **6:34**
